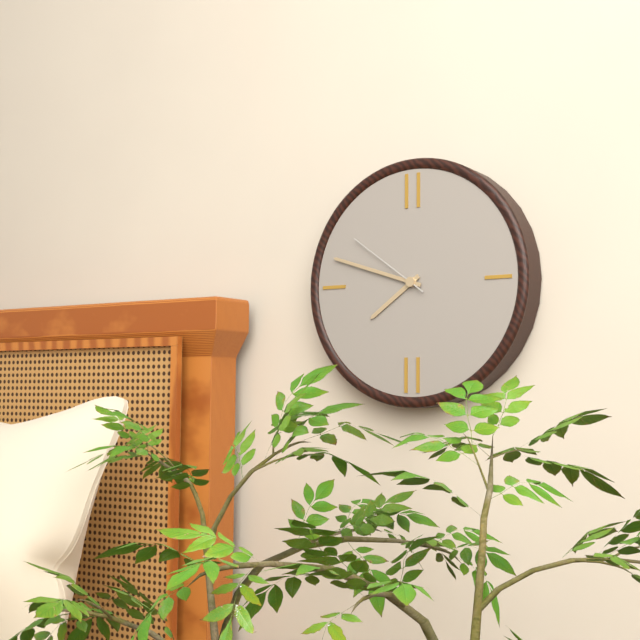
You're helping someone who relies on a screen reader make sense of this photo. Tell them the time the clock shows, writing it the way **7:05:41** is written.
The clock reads **7:48:51**
